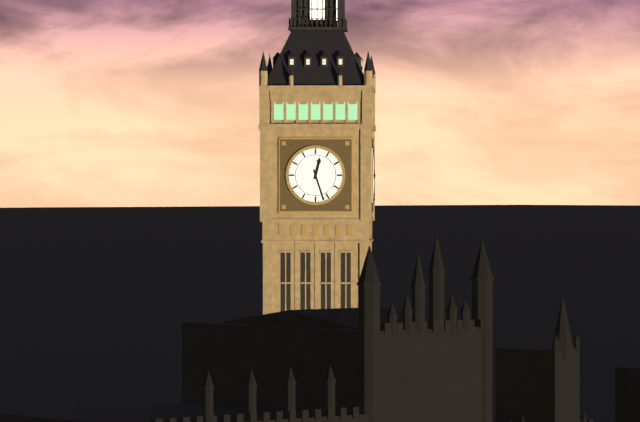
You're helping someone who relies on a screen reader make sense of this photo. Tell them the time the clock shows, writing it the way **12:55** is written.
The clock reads **12:27**
